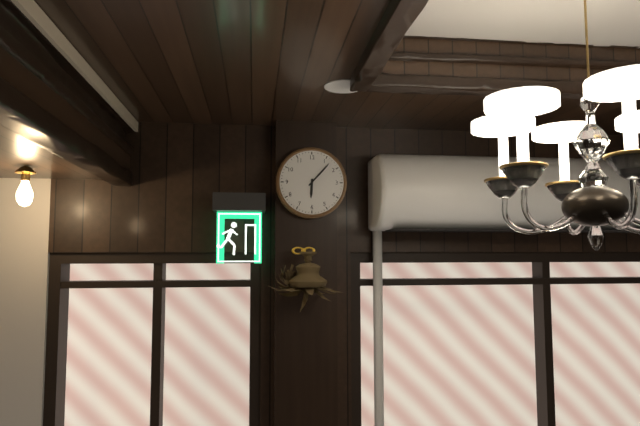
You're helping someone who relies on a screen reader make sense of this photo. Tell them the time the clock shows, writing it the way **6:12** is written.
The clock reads **6:07**
